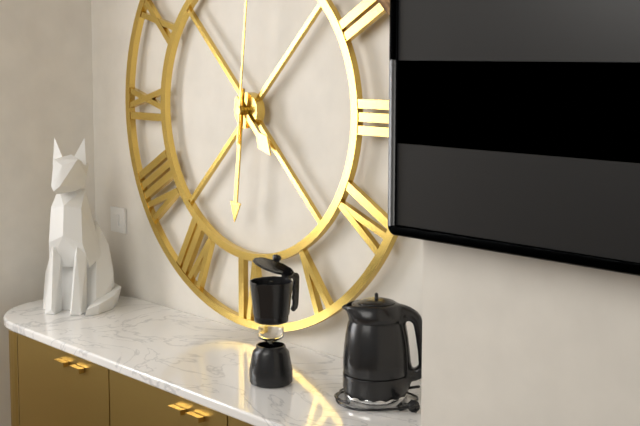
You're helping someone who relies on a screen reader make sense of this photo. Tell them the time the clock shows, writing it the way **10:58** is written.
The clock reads **4:31**
